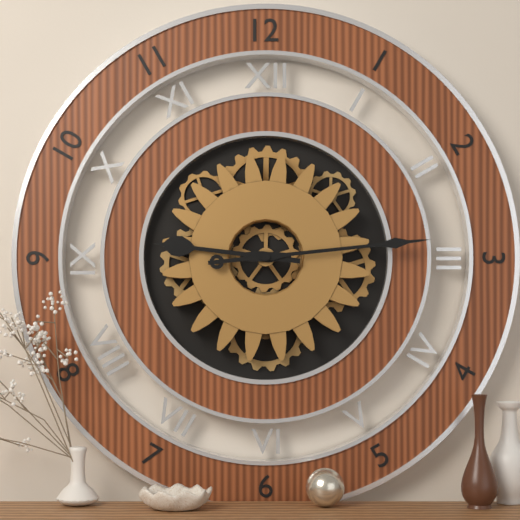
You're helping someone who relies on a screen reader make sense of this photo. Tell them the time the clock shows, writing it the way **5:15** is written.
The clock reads **9:14**
